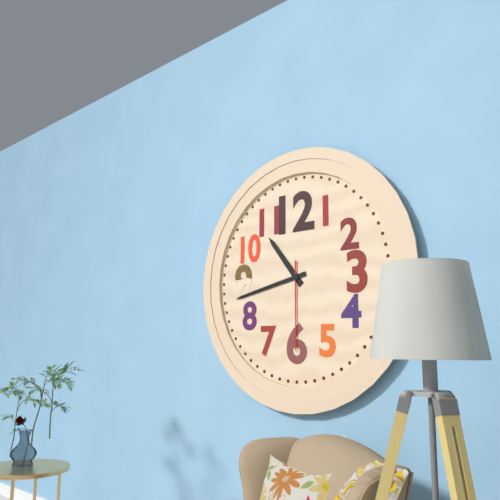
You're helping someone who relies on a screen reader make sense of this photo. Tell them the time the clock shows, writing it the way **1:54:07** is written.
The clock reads **10:43:30**
